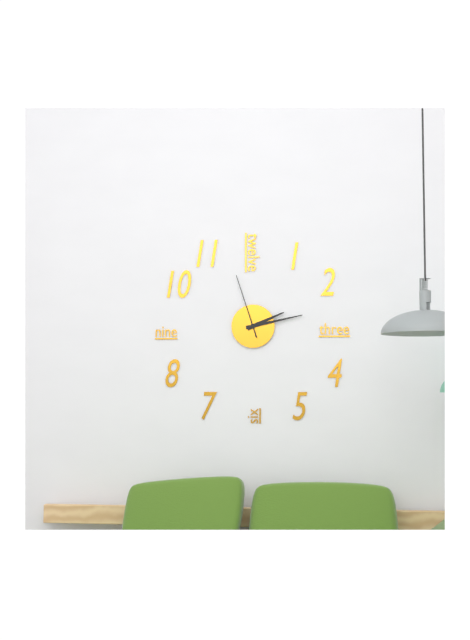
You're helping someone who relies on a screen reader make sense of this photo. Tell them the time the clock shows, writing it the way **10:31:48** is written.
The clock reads **2:13:57**
